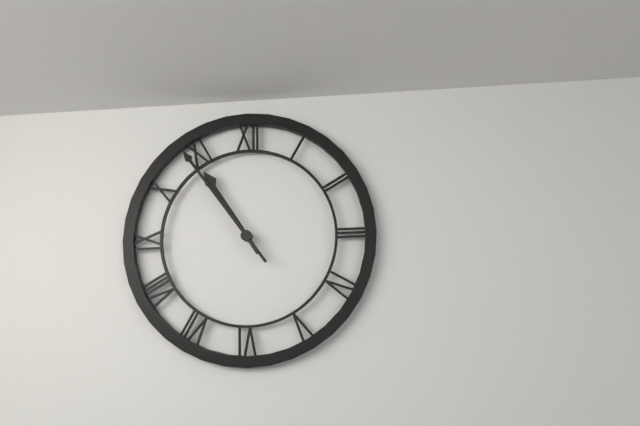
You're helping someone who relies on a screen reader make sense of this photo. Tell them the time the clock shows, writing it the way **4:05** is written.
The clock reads **10:54**
